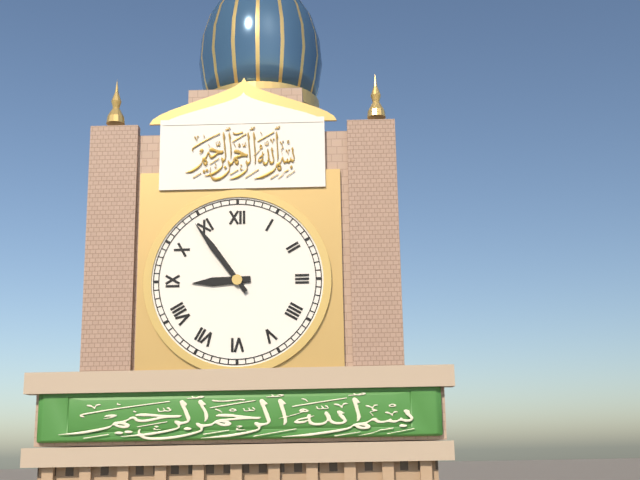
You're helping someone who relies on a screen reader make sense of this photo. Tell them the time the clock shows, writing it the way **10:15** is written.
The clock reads **8:54**
